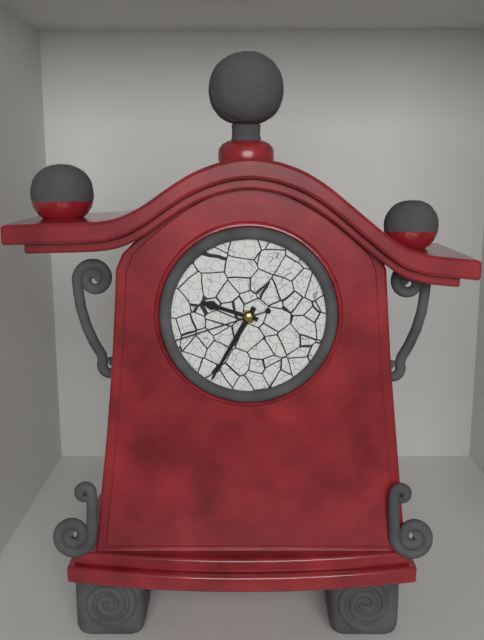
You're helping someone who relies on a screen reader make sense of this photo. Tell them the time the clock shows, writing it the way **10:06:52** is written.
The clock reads **9:35:42**
